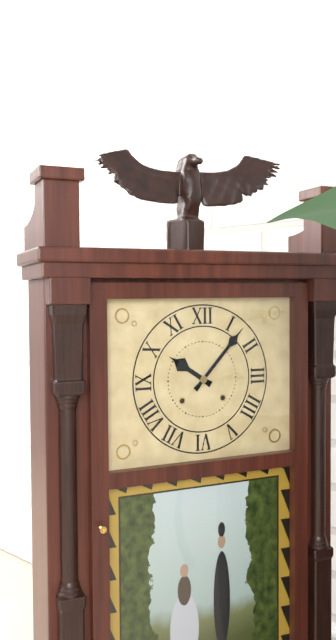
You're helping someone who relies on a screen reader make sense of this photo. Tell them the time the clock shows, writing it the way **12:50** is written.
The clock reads **10:07**
